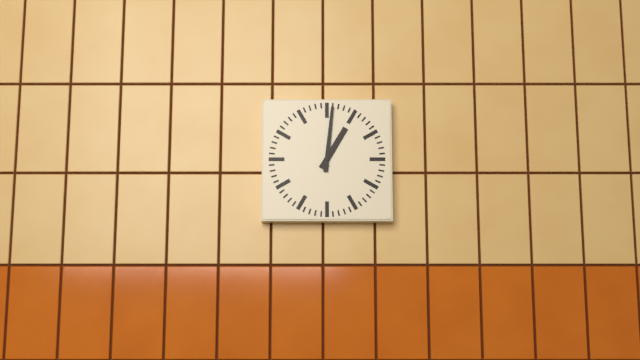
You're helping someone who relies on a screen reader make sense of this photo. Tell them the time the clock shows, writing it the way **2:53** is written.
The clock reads **1:01**
